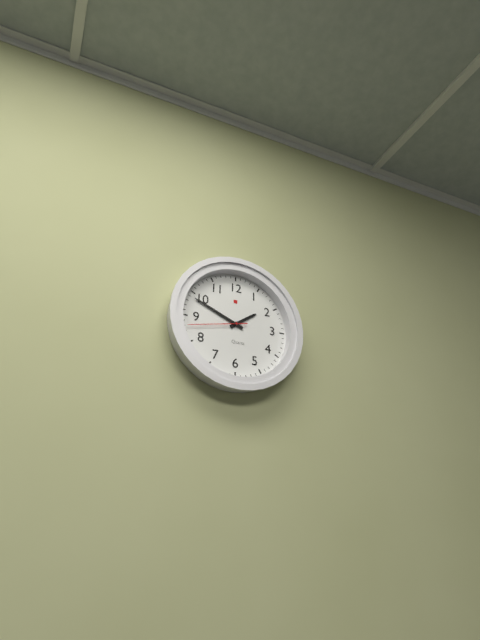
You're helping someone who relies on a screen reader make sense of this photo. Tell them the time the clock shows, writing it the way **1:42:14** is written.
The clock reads **1:49:43**
